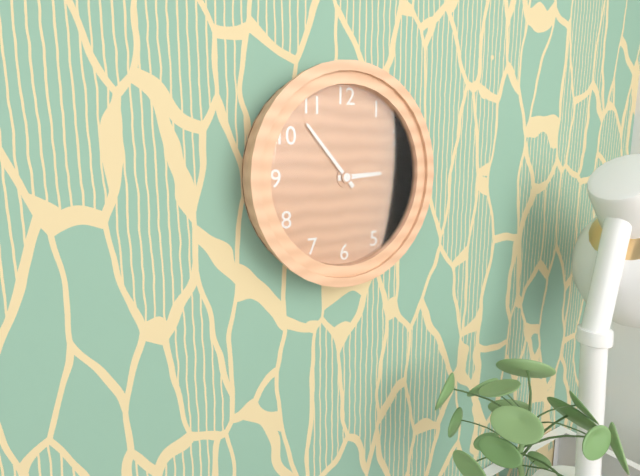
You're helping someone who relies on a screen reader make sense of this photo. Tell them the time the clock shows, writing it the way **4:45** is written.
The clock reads **2:53**
